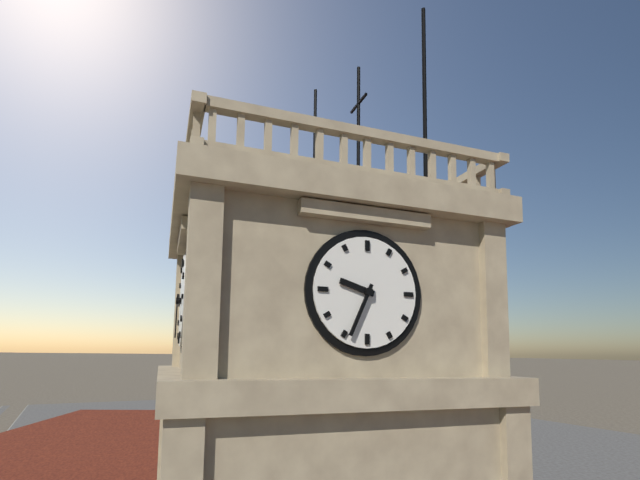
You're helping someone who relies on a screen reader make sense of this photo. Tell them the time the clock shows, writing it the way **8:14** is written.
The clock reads **9:34**
